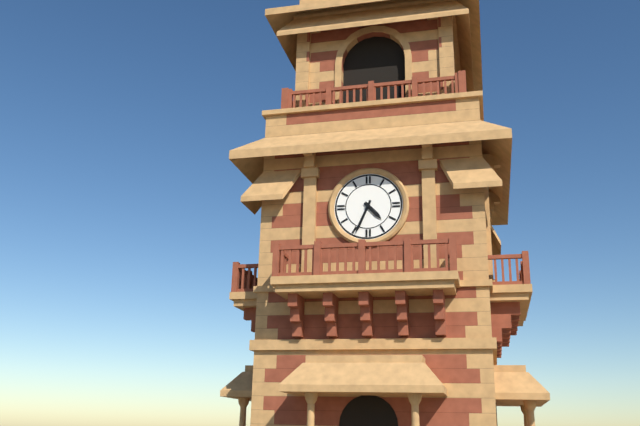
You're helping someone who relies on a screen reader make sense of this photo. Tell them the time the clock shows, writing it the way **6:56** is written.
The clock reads **4:34**
